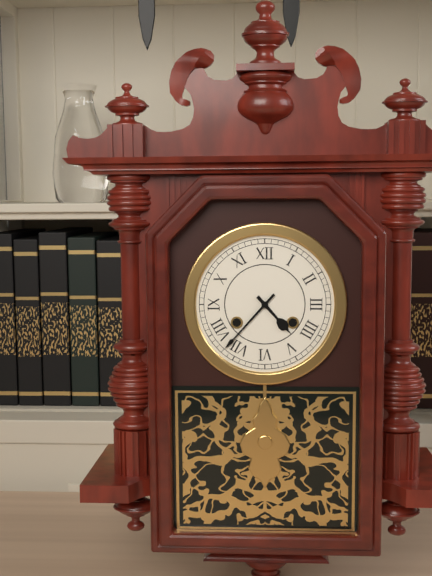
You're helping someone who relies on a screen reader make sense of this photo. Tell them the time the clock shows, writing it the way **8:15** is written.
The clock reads **4:37**
